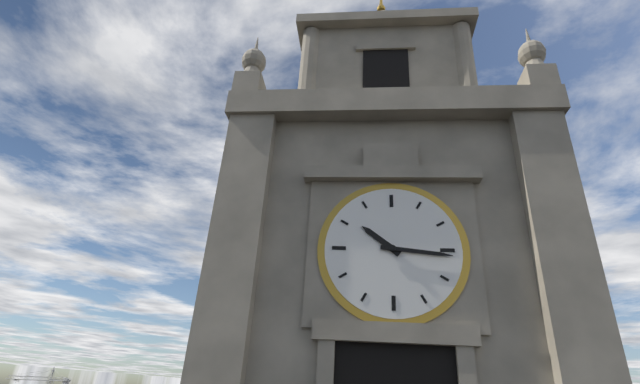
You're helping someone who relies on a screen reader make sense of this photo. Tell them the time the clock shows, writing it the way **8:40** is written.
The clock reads **10:16**
